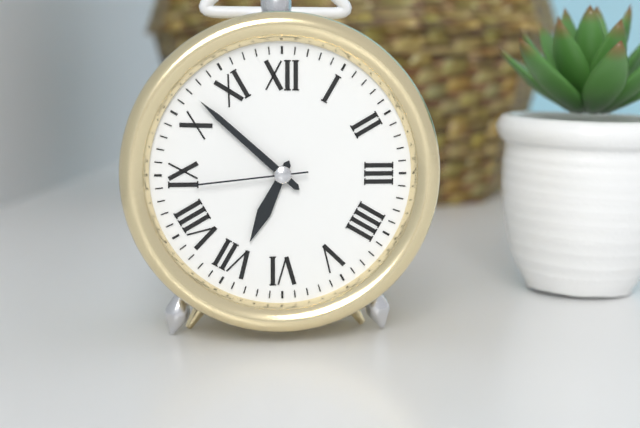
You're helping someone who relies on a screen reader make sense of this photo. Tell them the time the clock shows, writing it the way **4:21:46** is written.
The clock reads **6:52:44**
